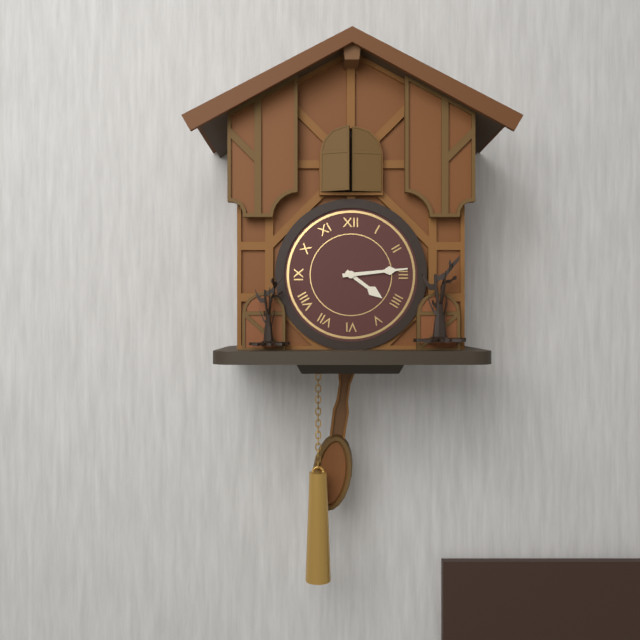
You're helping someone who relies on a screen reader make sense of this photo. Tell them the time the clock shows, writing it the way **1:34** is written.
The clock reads **4:14**
